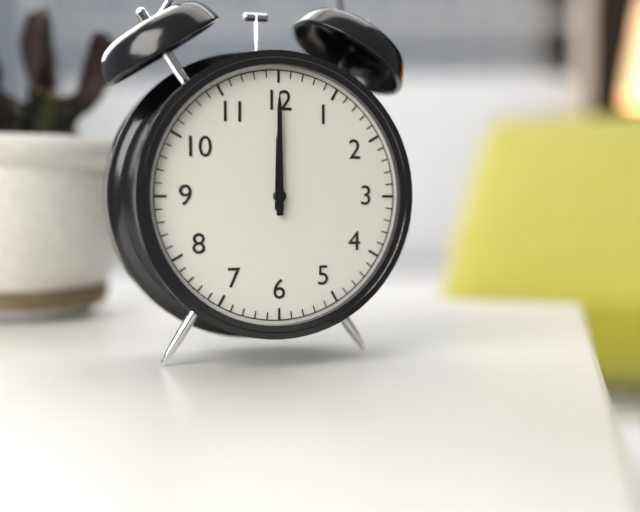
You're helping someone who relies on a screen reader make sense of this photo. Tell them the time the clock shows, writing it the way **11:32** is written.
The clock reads **12:00**
